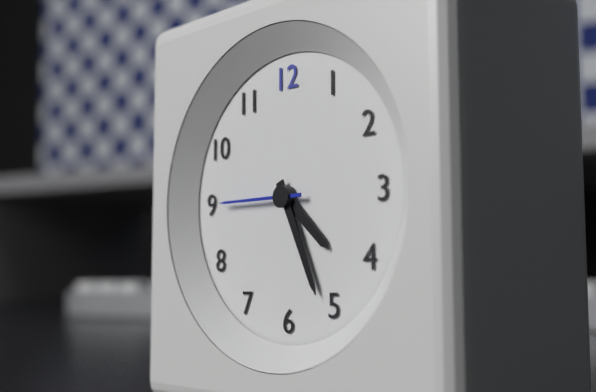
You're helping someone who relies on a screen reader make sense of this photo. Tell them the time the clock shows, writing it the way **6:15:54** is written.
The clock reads **4:26:45**
